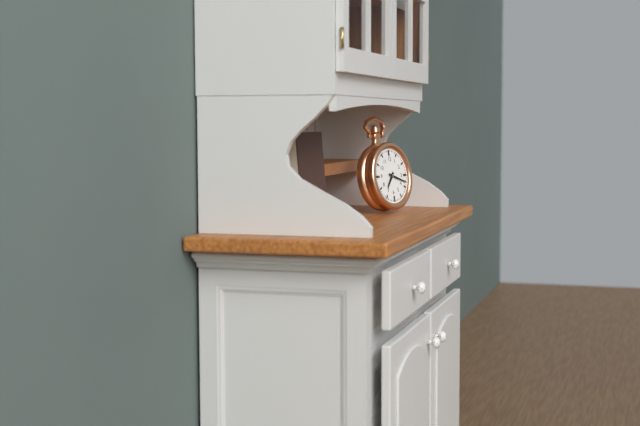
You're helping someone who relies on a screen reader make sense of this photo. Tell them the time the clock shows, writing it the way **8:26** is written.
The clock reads **7:18**
